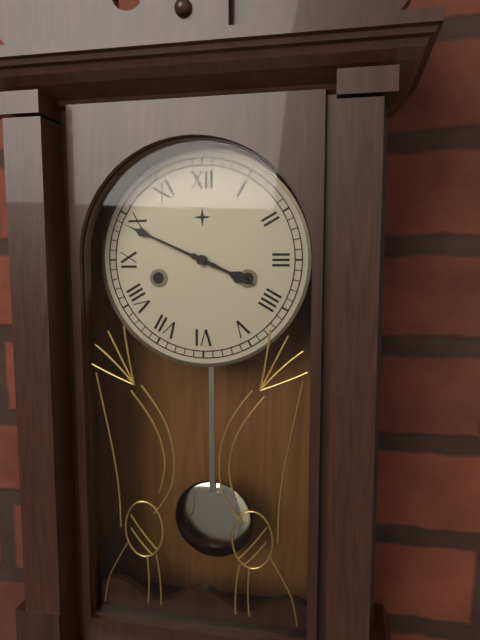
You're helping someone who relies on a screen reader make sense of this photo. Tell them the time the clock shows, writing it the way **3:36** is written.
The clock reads **3:49**
